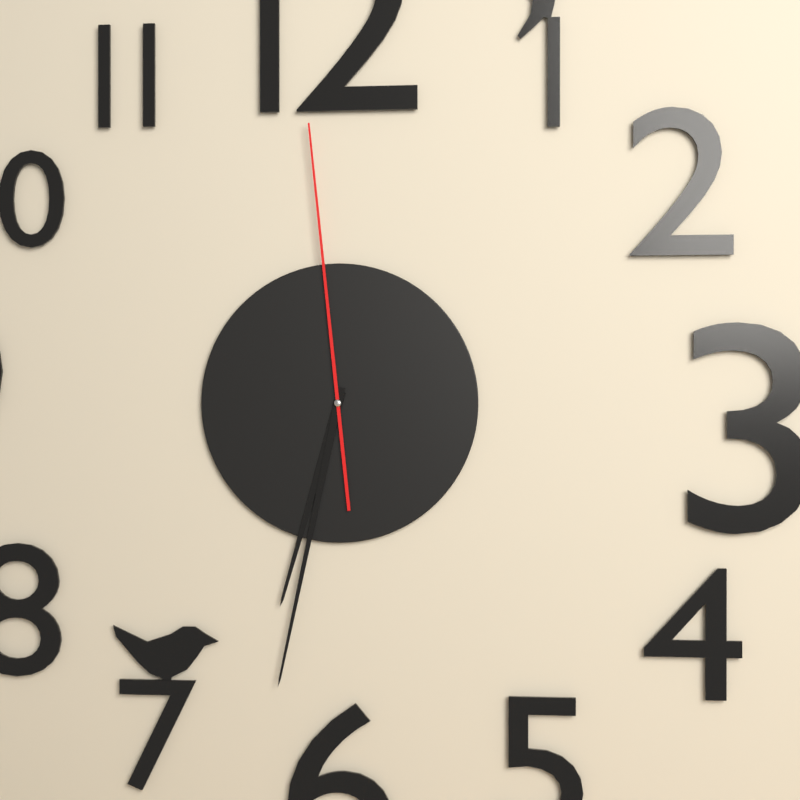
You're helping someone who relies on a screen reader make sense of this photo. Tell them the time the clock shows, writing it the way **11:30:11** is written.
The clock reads **6:32:59**
